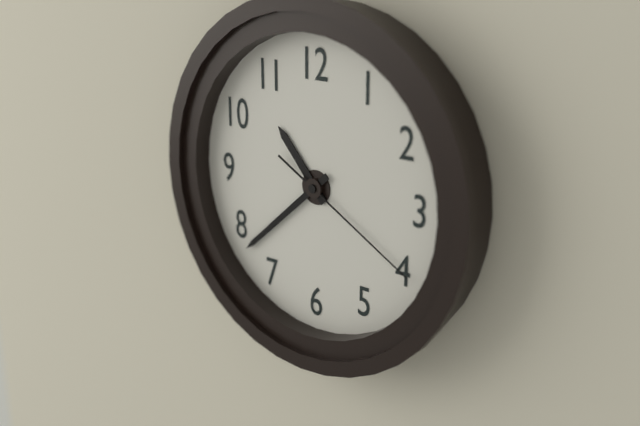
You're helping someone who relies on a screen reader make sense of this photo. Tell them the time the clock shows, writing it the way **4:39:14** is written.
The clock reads **10:38:20**
